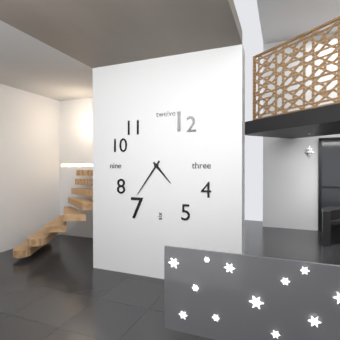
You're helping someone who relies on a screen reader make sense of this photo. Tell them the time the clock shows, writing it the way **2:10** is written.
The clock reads **4:36**
